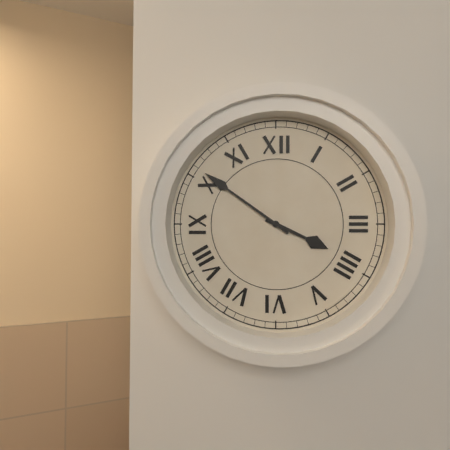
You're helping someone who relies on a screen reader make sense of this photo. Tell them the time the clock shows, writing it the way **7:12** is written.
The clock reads **3:51**
